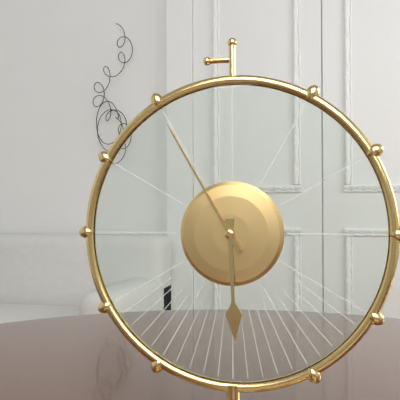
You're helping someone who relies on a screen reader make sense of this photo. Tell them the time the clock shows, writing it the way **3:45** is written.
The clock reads **5:55**
